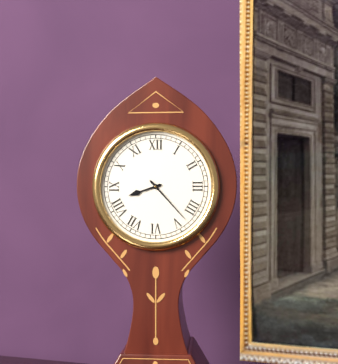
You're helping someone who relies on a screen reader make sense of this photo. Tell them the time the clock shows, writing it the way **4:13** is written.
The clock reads **8:23**
